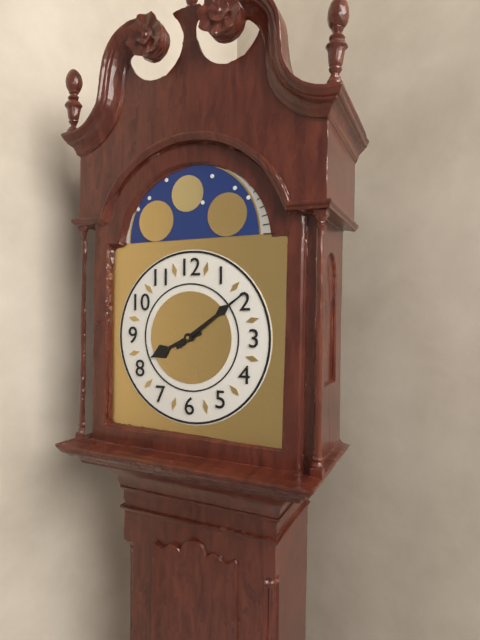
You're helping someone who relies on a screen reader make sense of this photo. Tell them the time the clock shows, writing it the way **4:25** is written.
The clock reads **8:09**
